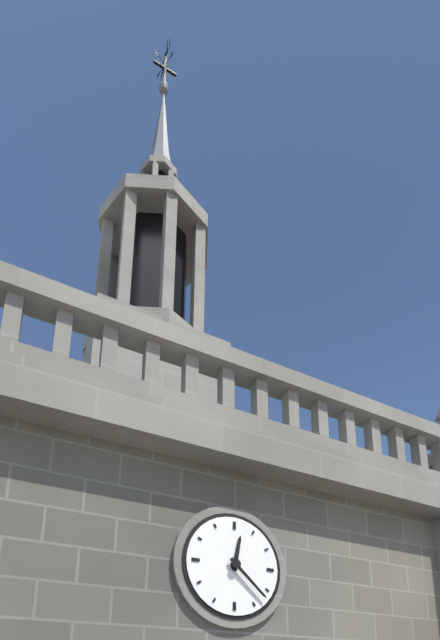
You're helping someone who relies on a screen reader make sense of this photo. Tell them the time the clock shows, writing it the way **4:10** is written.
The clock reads **12:22**
